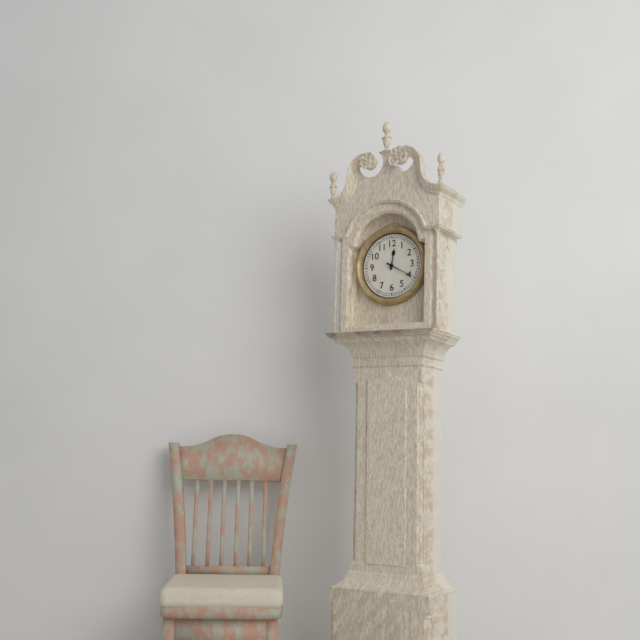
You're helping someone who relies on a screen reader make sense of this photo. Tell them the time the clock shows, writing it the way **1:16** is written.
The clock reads **12:20**
